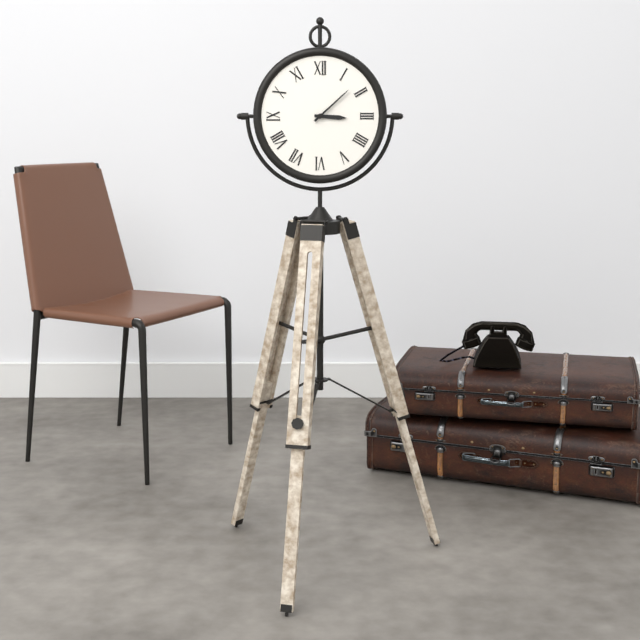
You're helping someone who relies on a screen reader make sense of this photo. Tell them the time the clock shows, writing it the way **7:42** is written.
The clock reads **3:08**
